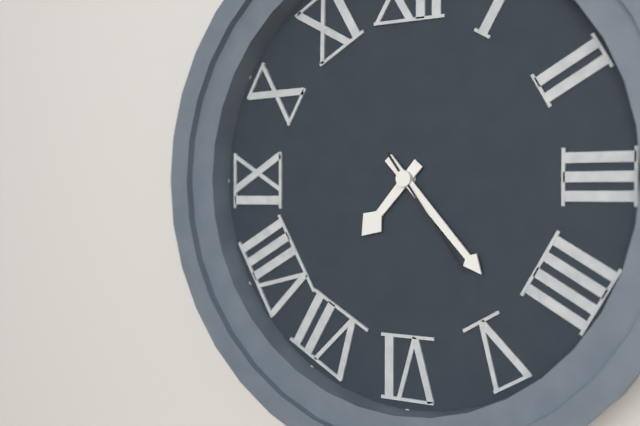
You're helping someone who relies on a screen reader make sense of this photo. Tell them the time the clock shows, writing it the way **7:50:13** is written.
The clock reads **7:23:24**
